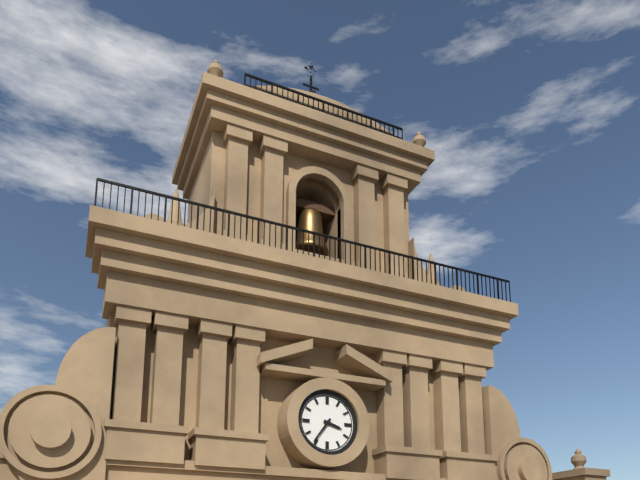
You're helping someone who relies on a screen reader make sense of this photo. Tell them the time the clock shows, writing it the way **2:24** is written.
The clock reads **3:36**
